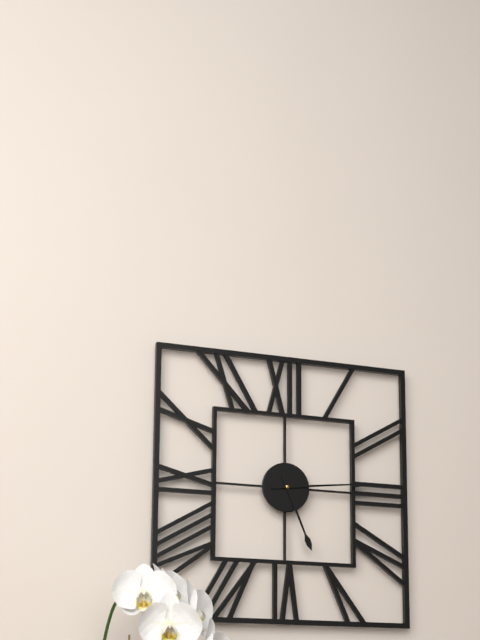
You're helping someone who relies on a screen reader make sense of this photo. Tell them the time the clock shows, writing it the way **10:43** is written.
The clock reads **5:14**
